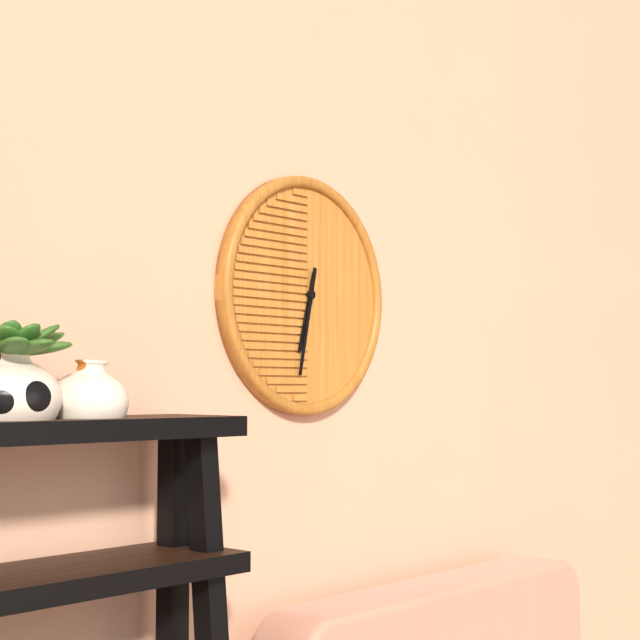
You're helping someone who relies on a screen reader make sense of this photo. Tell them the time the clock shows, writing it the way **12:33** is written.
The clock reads **6:32**
